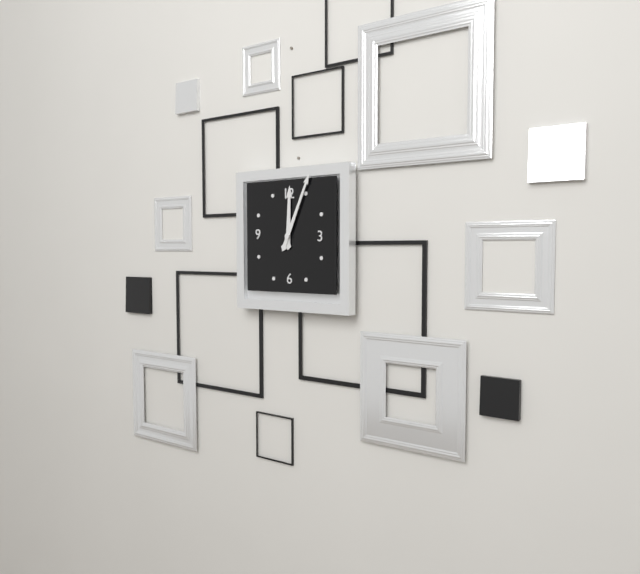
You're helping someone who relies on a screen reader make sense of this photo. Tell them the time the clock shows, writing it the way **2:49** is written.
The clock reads **12:04**
